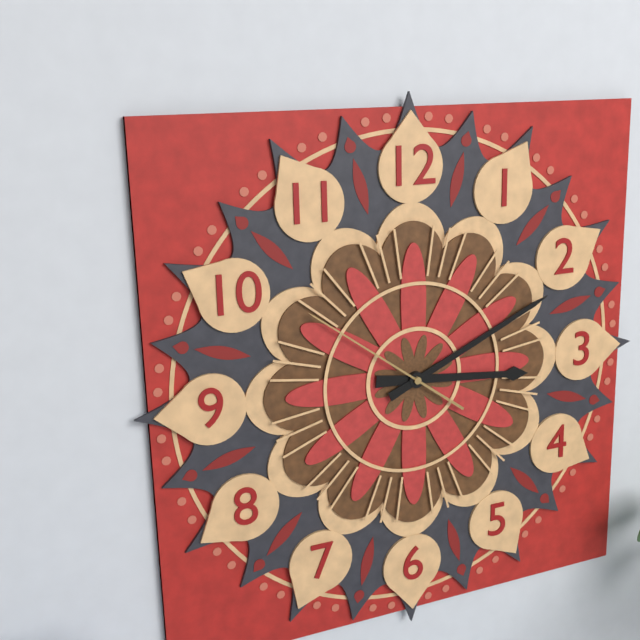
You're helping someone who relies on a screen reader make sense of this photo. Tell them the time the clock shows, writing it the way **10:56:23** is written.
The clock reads **3:11:51**
